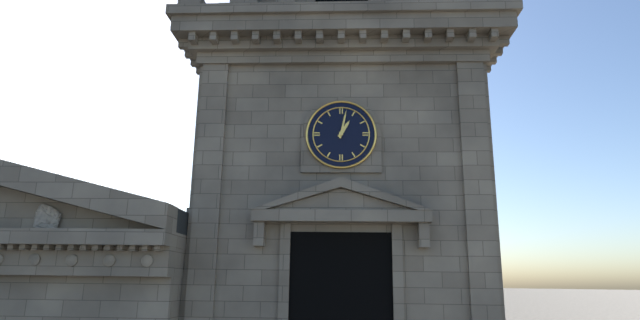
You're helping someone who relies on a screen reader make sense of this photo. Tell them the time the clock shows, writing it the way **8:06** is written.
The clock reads **1:02**
